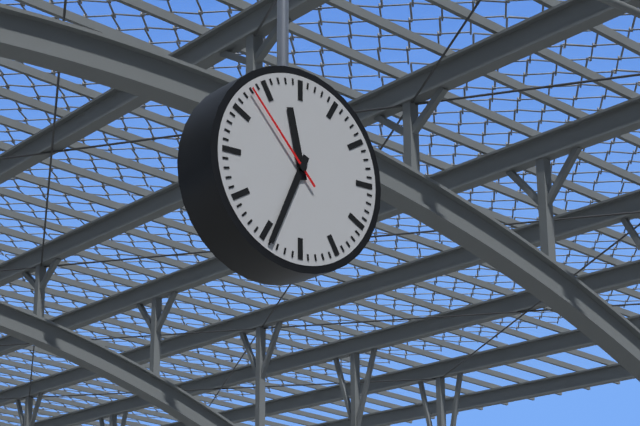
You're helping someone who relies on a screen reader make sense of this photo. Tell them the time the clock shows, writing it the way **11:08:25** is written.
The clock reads **11:34:53**
